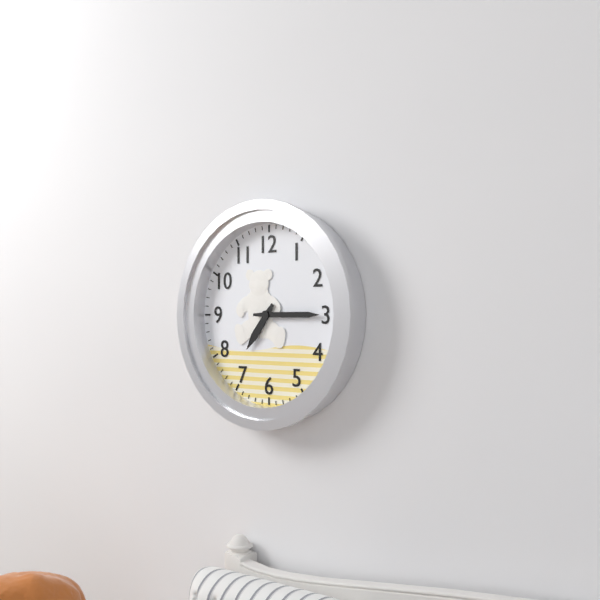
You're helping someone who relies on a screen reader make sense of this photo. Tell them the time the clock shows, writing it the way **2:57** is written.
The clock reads **7:15**
